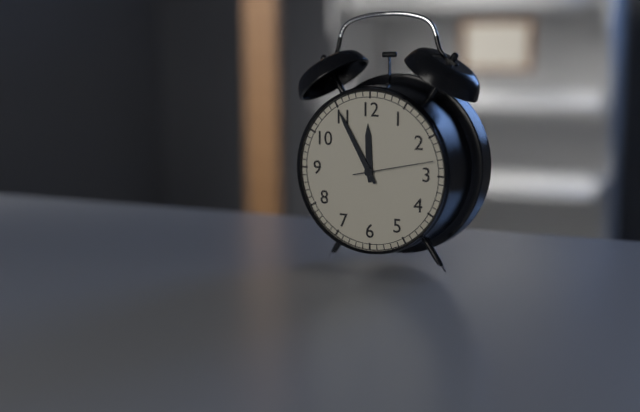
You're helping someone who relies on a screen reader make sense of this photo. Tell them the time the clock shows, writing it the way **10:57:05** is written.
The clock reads **11:55:13**
